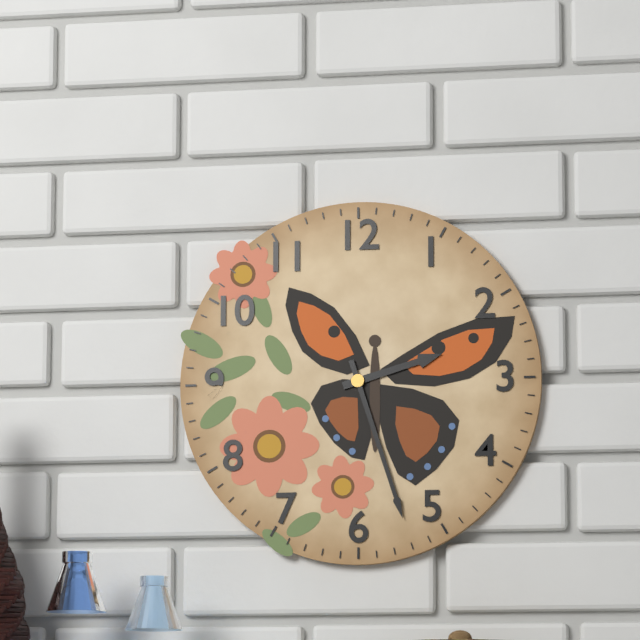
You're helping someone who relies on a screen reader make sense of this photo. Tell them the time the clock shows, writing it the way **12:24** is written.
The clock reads **2:27**
